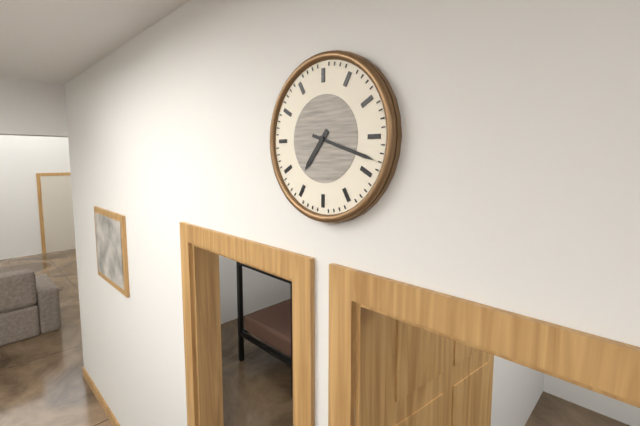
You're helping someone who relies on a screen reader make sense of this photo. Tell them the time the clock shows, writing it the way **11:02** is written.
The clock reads **7:18**
